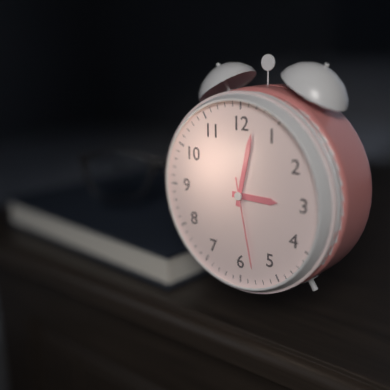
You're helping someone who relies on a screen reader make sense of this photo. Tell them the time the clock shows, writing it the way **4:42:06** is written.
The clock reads **3:02:28**
